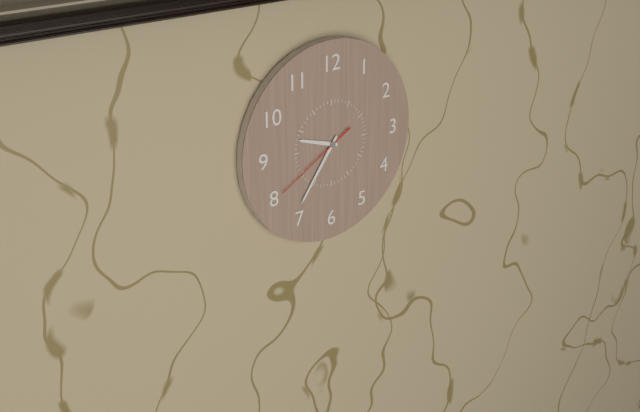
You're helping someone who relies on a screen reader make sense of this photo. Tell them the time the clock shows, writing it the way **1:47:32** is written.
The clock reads **9:36:40**
